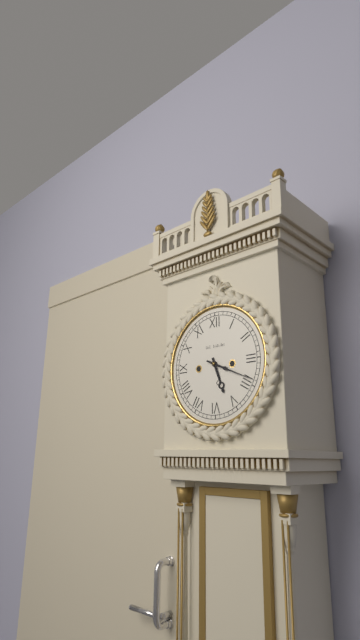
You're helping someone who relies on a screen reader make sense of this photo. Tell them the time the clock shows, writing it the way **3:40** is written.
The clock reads **5:19**
